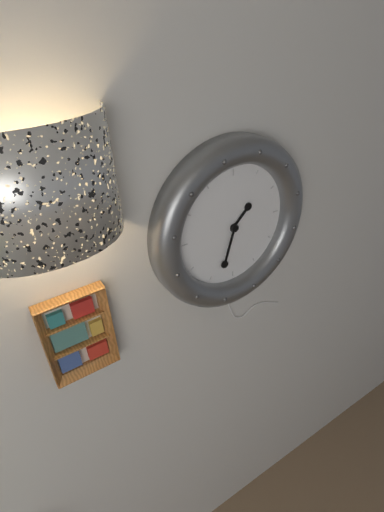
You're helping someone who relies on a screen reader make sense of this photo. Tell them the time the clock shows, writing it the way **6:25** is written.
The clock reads **1:33**
